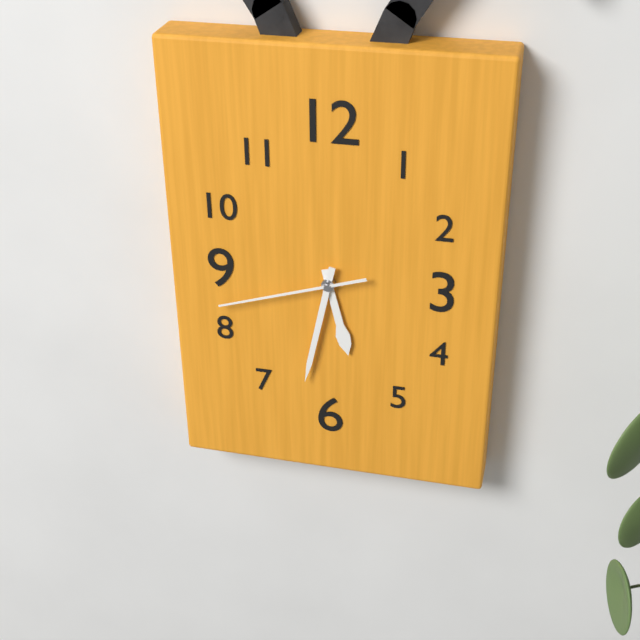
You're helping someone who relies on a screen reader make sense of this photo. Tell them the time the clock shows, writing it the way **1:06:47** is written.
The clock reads **5:32:42**
